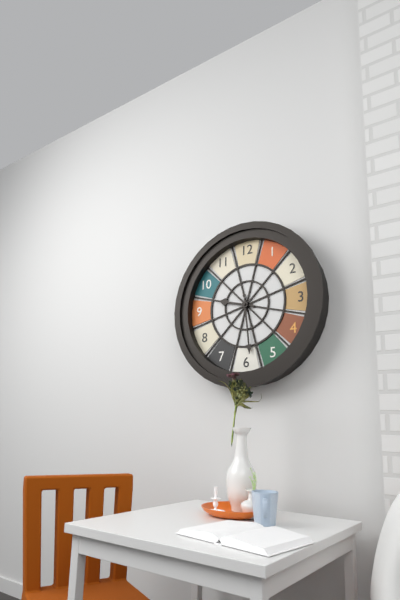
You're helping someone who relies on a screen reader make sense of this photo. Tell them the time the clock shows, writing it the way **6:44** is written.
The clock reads **9:29**
